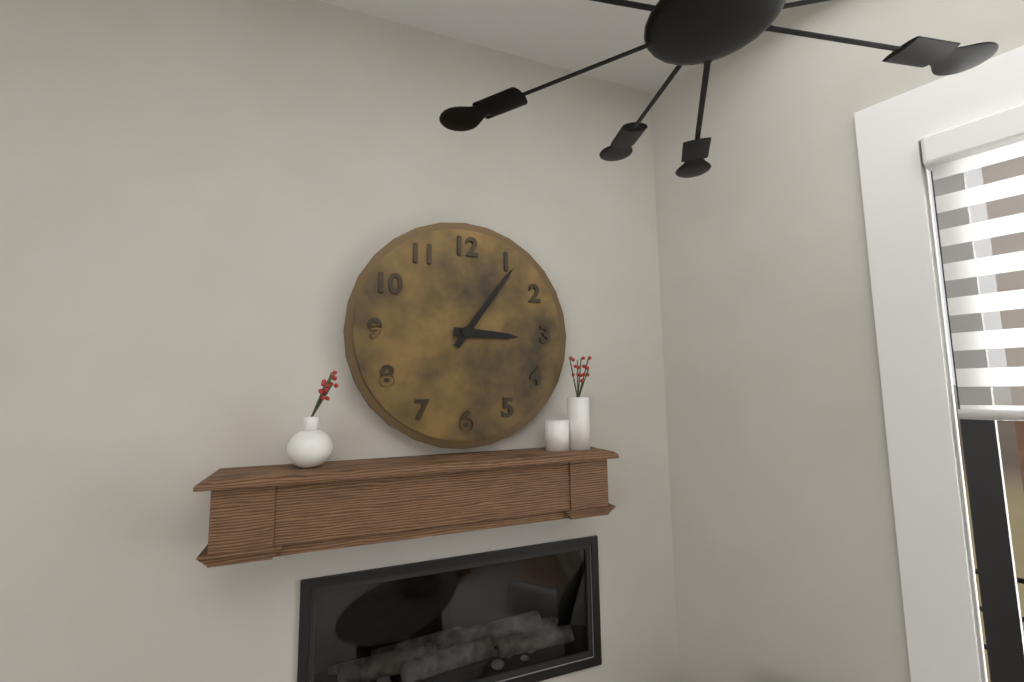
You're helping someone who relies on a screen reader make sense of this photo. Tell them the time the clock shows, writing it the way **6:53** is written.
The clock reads **3:06**
